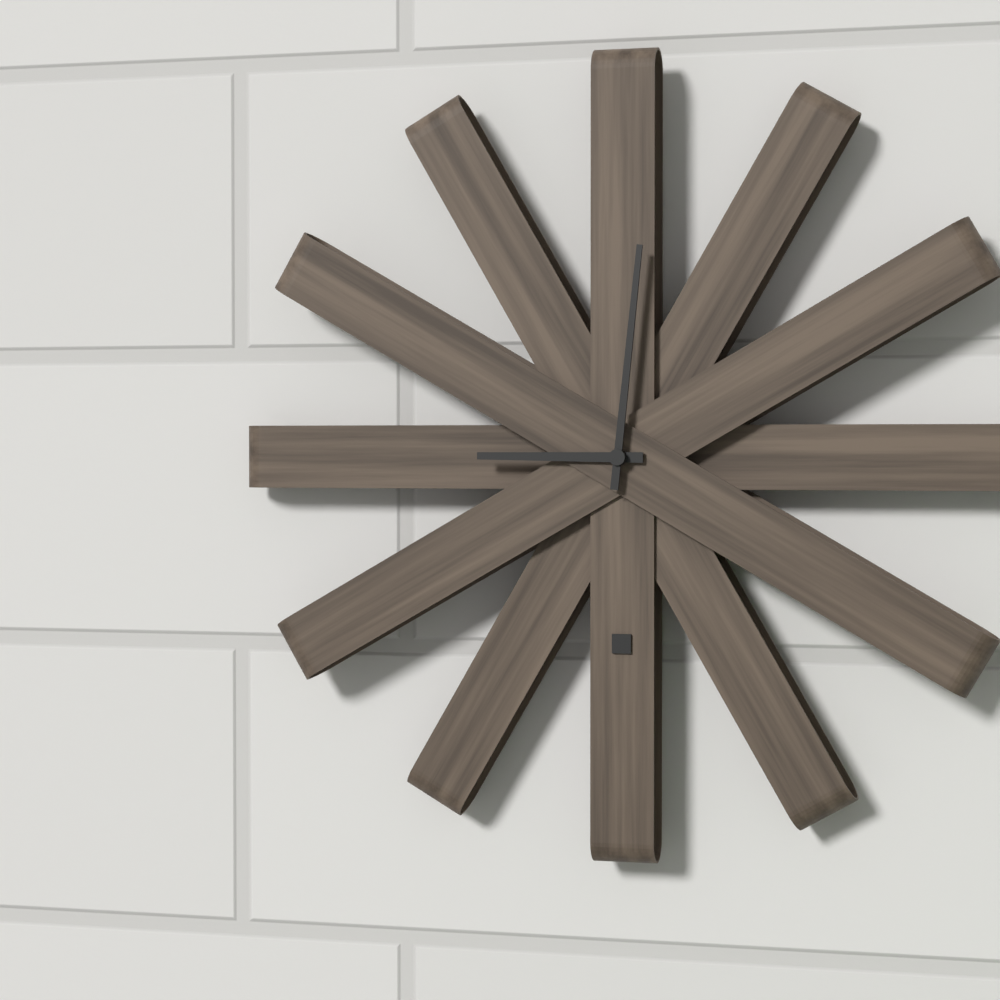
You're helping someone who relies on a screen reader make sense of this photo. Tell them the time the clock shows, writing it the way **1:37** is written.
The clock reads **9:01**
